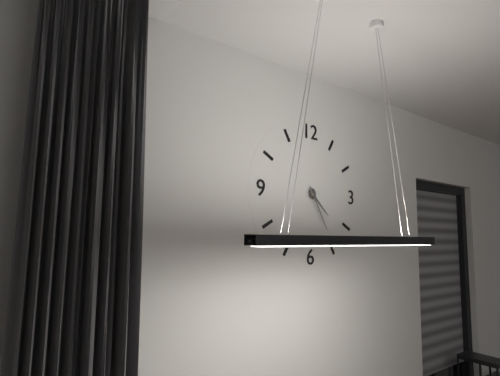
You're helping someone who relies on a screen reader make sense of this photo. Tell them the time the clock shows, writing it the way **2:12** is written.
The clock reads **4:25**
